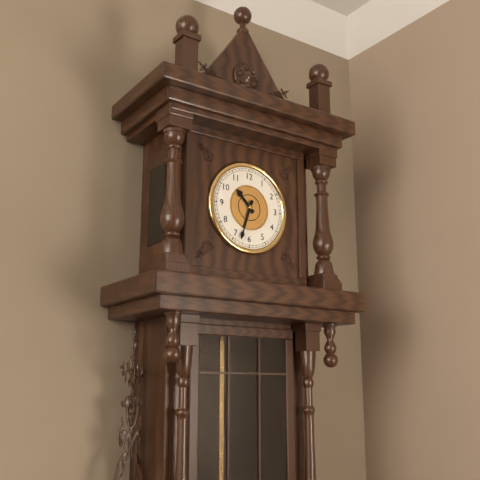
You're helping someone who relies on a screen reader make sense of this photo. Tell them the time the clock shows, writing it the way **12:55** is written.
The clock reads **10:33**
